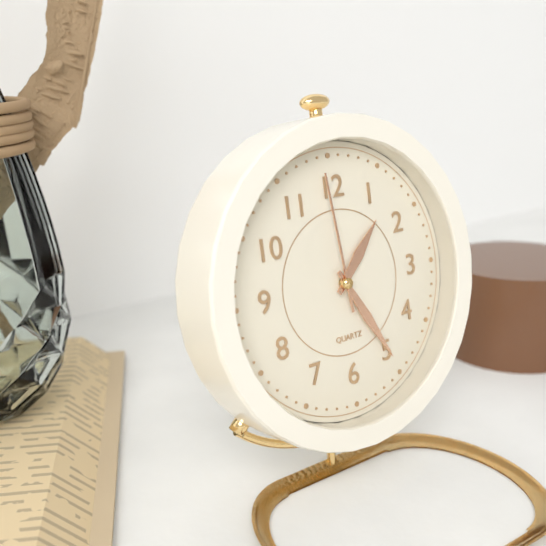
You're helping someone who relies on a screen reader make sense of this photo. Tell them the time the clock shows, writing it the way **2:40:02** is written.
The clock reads **1:25:59**
